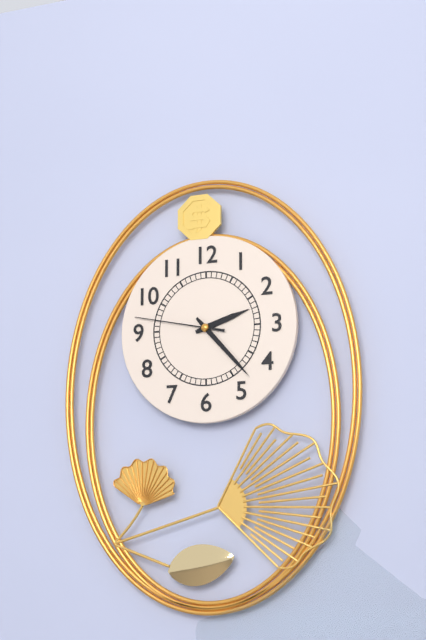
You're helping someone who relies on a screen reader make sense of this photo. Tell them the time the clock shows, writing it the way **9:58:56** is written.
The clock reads **2:23:47**
